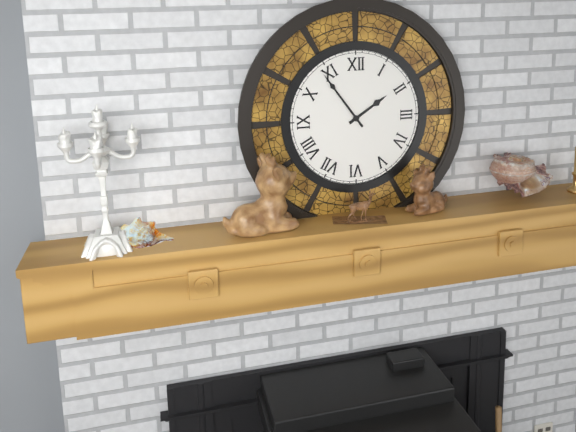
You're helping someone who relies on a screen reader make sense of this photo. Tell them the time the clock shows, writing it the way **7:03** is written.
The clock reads **1:54**
